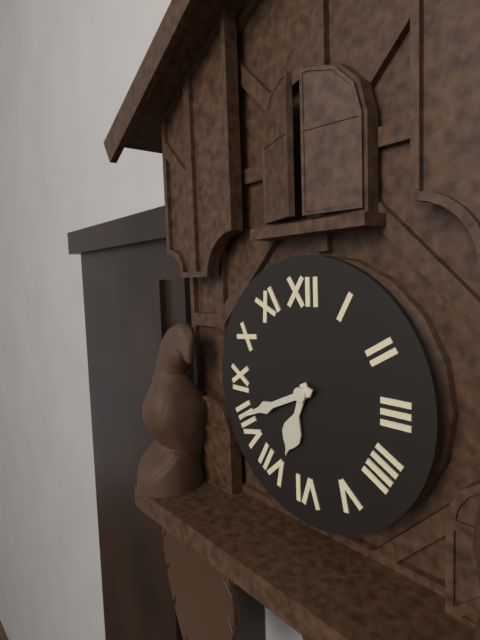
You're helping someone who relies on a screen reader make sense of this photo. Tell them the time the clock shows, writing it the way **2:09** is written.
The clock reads **6:41**
